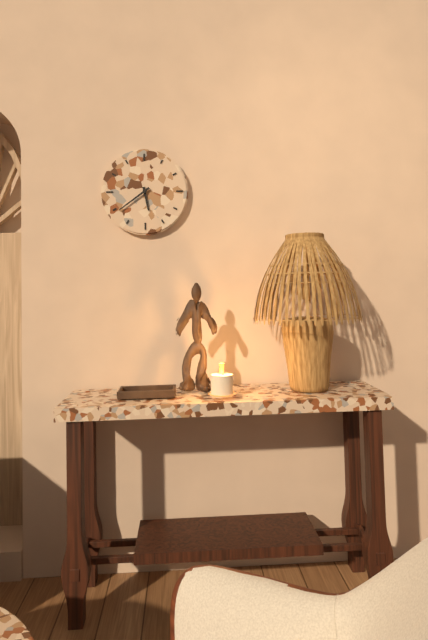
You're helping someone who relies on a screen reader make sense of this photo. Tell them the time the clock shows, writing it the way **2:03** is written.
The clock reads **5:39**
